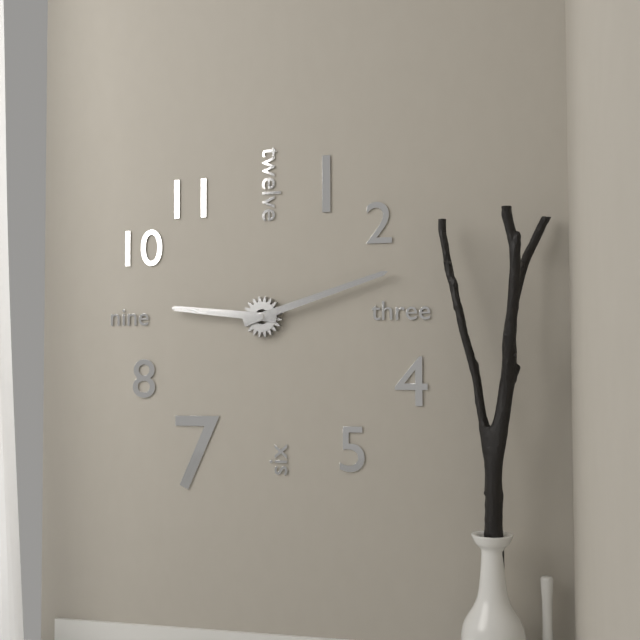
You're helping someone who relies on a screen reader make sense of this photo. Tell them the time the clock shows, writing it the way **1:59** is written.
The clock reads **9:12**
